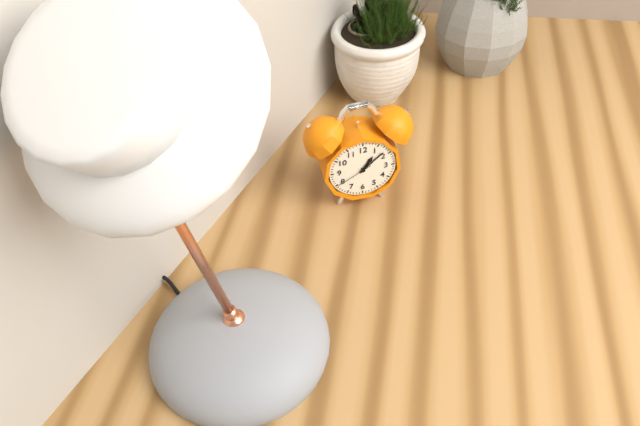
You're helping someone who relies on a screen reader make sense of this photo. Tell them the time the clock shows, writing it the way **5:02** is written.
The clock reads **1:08**
